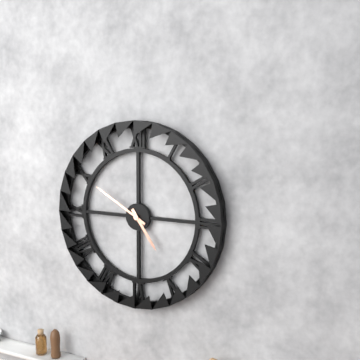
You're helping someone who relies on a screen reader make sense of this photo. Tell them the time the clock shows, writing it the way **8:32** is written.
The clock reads **4:50**
